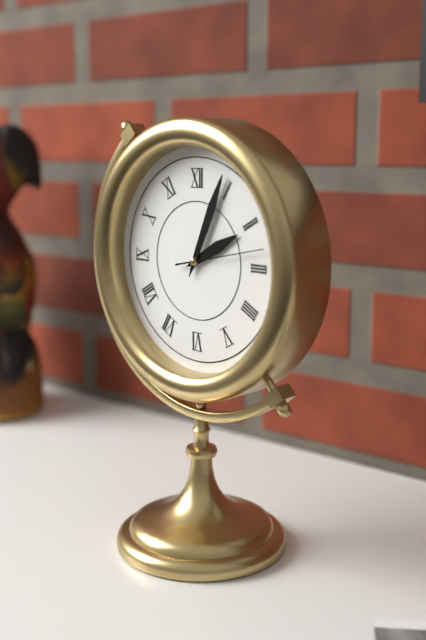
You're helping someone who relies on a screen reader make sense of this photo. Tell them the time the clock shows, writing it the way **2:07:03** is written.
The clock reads **2:04:13**
